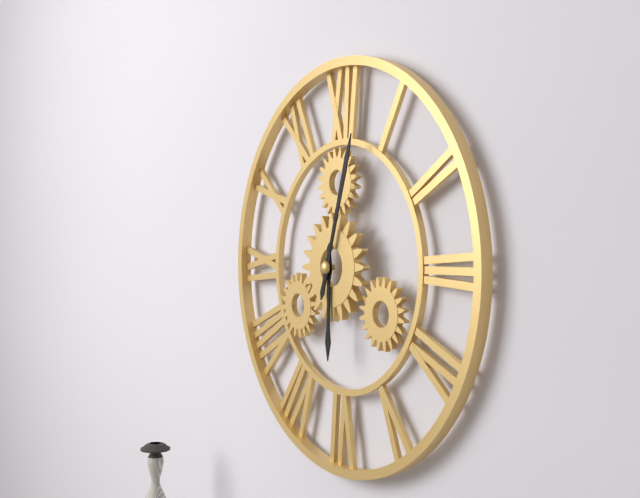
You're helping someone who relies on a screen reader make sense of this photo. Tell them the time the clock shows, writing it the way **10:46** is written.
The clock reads **6:03**
